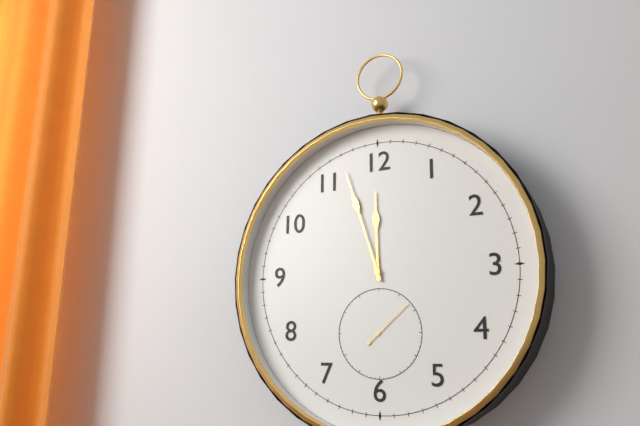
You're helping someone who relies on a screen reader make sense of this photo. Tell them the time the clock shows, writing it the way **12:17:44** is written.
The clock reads **11:57:08**
